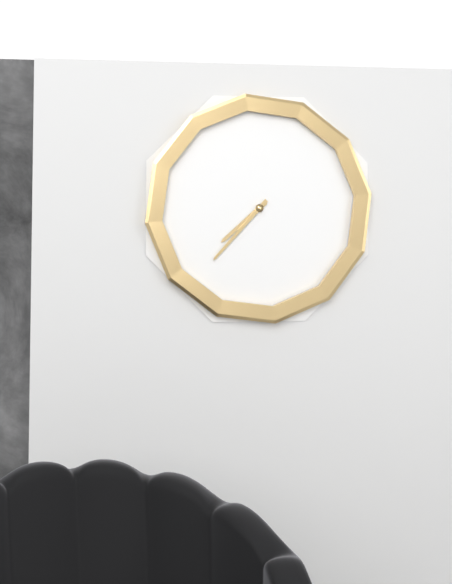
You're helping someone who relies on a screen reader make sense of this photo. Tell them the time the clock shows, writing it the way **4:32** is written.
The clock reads **7:37**
